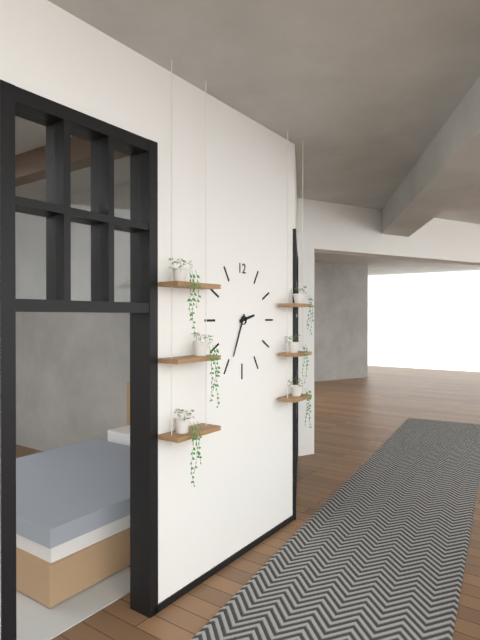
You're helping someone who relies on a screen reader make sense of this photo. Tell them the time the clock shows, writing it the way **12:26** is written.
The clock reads **2:34**
